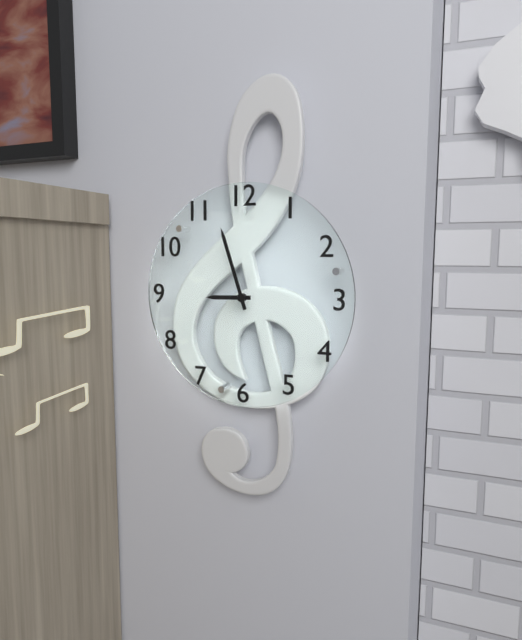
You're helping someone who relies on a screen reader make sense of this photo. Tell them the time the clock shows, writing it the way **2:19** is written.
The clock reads **8:57**
